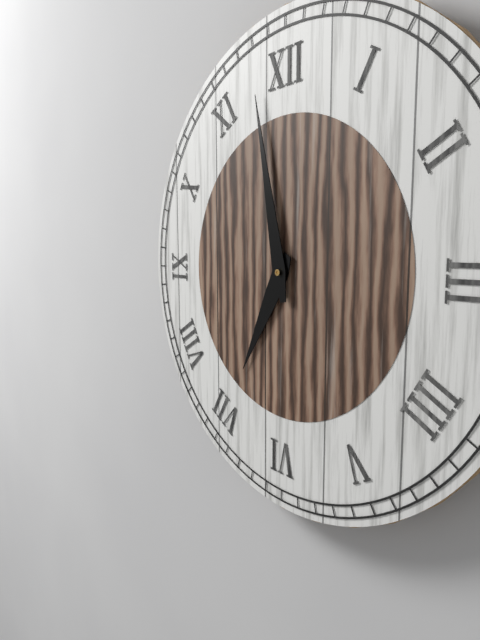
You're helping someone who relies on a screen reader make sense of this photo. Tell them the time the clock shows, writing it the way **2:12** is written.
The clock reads **6:58**
